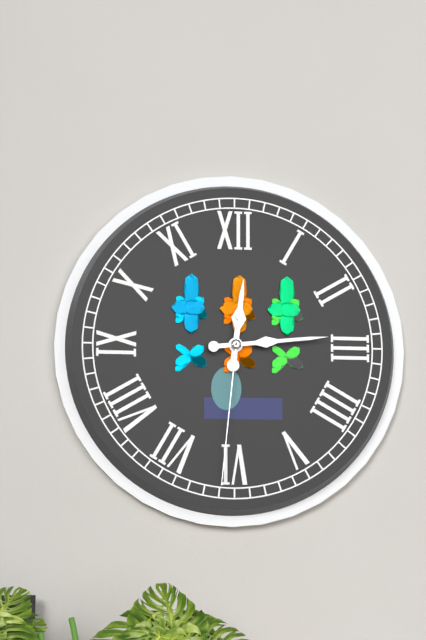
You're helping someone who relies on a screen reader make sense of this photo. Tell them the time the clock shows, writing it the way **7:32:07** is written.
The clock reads **12:14:31**
